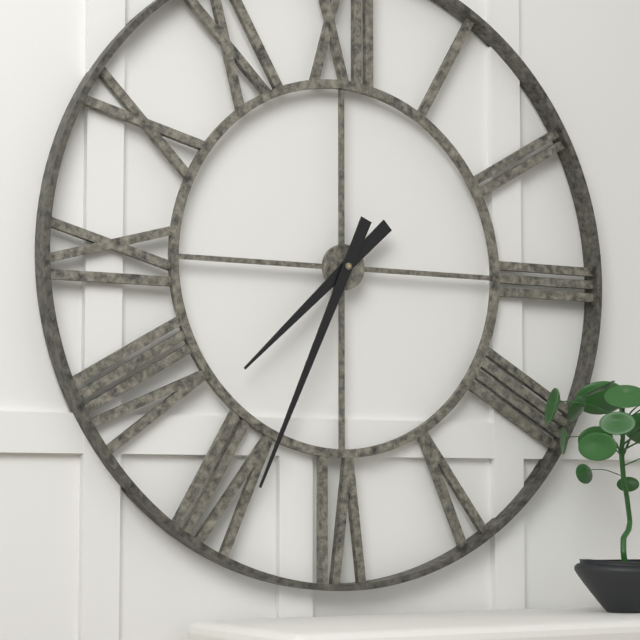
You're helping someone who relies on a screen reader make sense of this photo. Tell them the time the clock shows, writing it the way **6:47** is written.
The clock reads **7:34**
